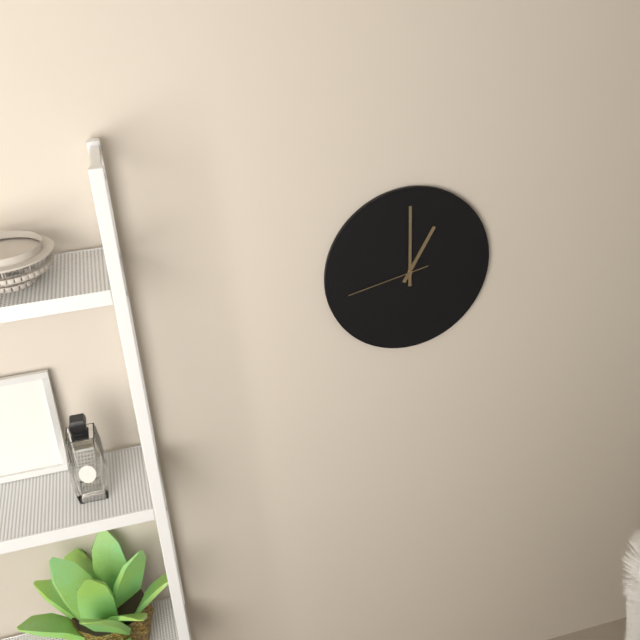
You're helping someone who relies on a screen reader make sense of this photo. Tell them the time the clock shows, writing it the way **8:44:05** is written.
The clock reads **1:00:43**
